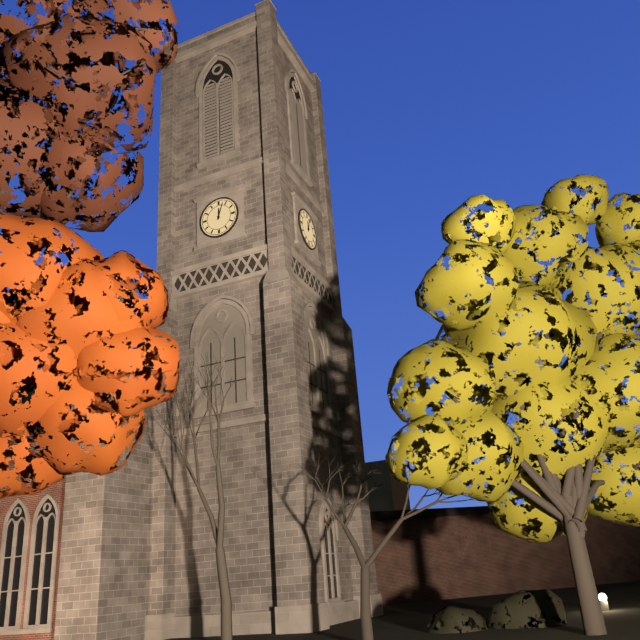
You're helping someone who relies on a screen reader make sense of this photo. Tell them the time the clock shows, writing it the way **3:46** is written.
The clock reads **12:03**
